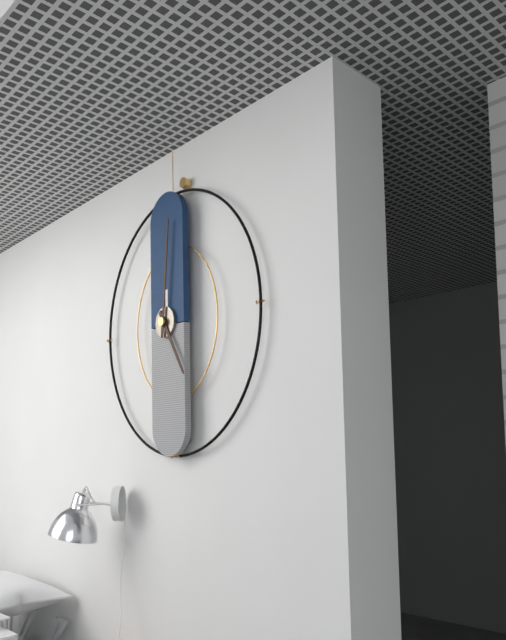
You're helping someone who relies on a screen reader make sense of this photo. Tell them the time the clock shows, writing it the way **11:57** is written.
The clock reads **5:01**
